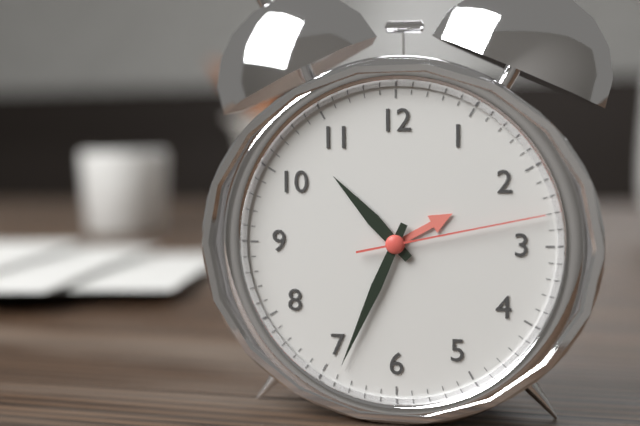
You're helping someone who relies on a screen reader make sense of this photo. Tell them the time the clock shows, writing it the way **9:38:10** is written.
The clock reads **10:34:13**
